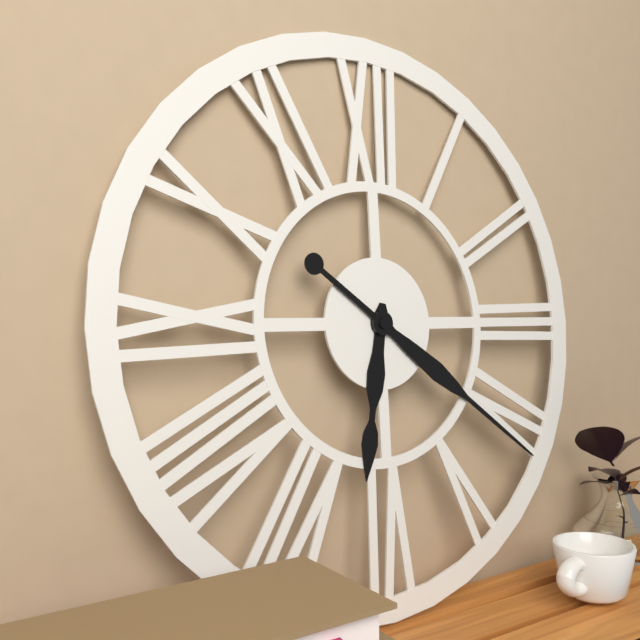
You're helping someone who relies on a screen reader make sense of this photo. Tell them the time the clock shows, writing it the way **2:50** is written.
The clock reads **6:21**
